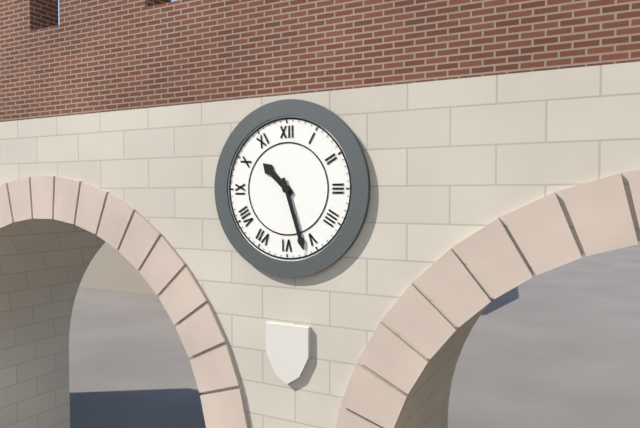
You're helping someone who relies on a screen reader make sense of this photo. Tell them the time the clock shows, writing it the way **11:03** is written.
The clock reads **10:27**
